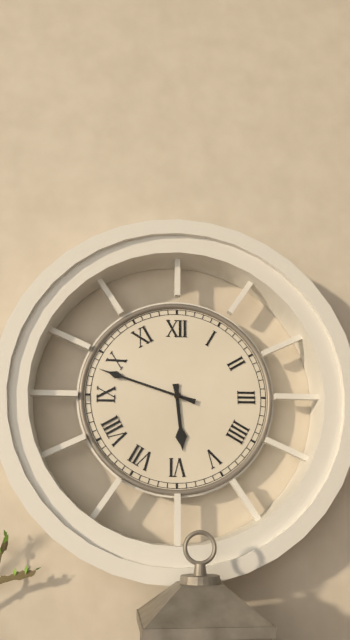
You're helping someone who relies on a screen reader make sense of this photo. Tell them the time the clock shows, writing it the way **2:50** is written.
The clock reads **5:48**
